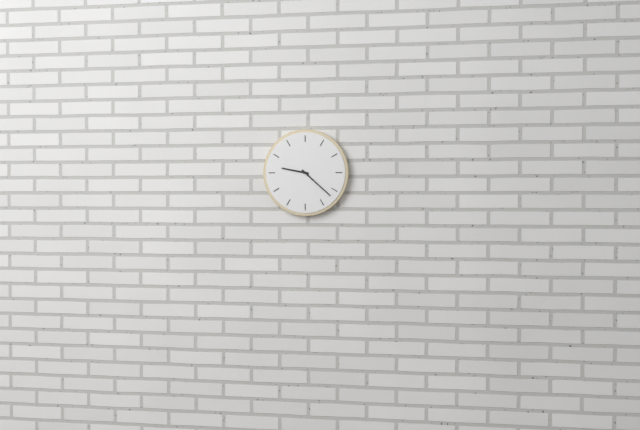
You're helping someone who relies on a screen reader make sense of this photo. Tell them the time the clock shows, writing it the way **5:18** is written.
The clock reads **9:22**
